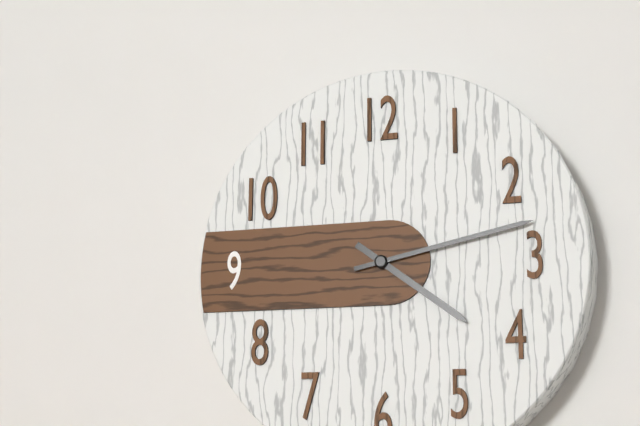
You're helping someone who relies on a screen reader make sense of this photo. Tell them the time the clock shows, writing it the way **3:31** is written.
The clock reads **4:13**
